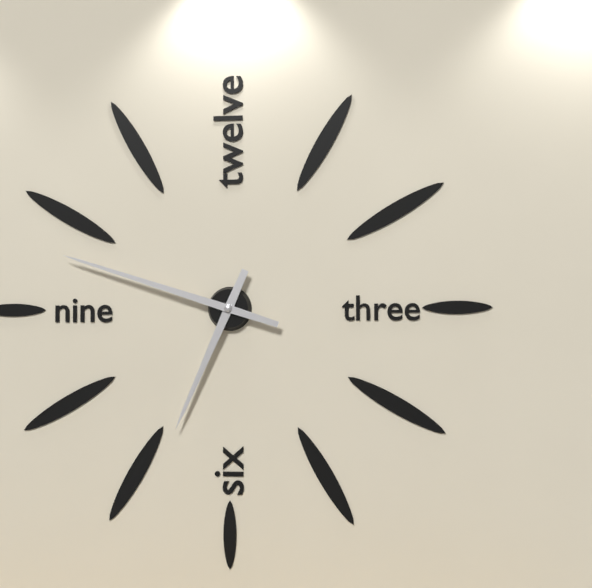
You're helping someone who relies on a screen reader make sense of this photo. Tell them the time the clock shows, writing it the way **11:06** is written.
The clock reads **6:48**
